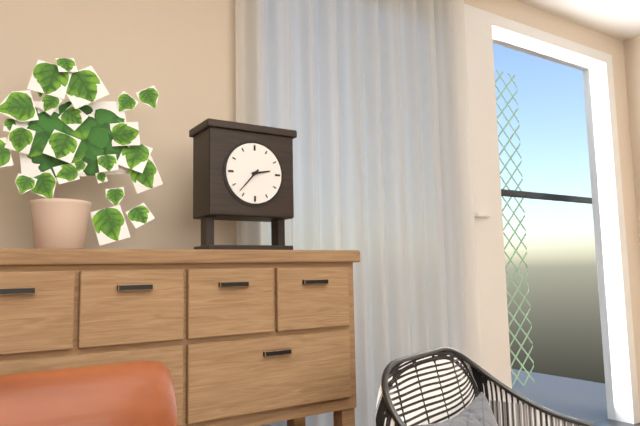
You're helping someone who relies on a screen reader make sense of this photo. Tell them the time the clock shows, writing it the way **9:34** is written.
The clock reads **2:37**
